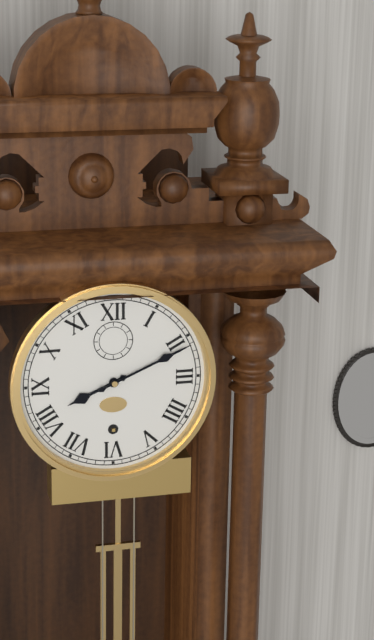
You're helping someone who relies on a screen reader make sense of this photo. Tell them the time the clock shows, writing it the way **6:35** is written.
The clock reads **8:11**
